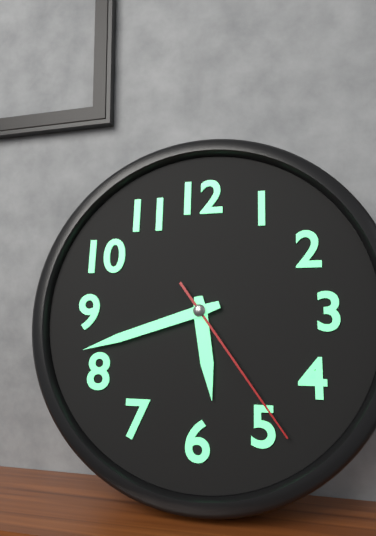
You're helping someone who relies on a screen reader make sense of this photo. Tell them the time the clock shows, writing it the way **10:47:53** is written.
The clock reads **5:42:24**
